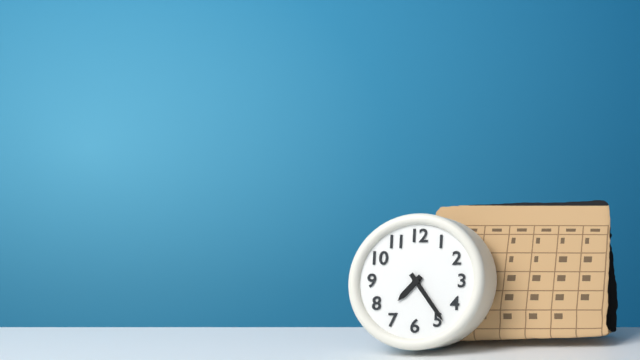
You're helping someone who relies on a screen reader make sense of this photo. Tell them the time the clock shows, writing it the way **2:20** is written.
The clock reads **7:24**
